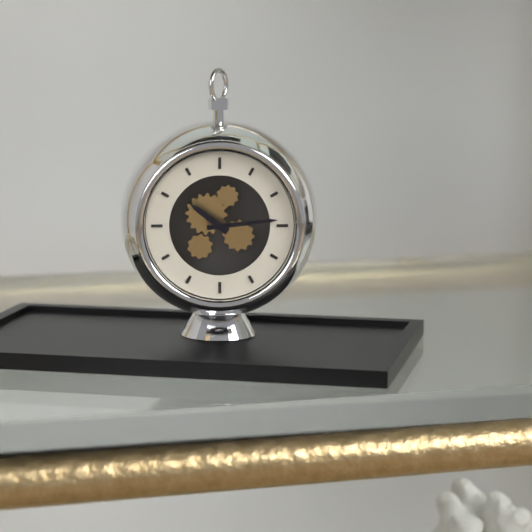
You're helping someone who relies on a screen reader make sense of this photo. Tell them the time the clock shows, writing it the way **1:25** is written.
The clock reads **10:14**
